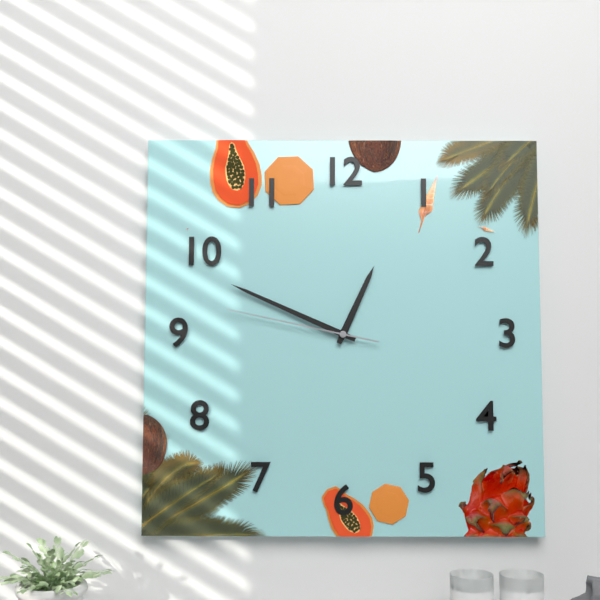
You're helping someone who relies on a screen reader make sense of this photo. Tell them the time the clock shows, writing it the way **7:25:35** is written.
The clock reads **12:49:47**
